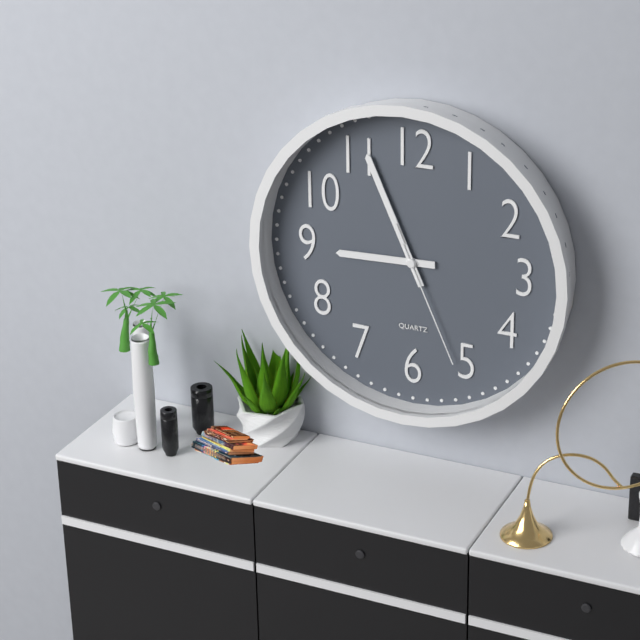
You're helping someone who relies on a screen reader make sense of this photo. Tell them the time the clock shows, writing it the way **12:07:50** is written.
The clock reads **8:56:26**
